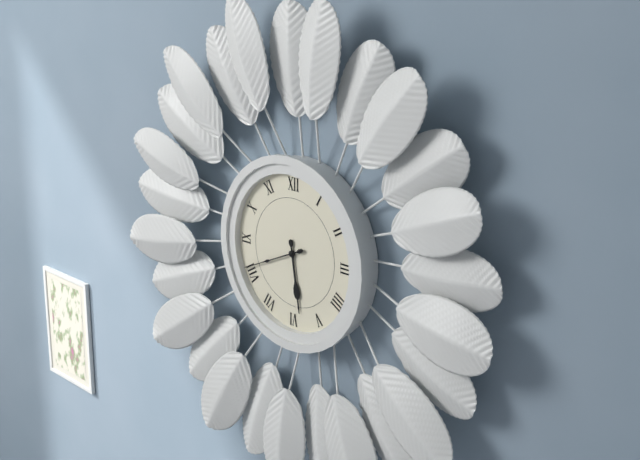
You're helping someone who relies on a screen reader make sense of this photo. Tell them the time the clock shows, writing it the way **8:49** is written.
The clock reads **5:41**
